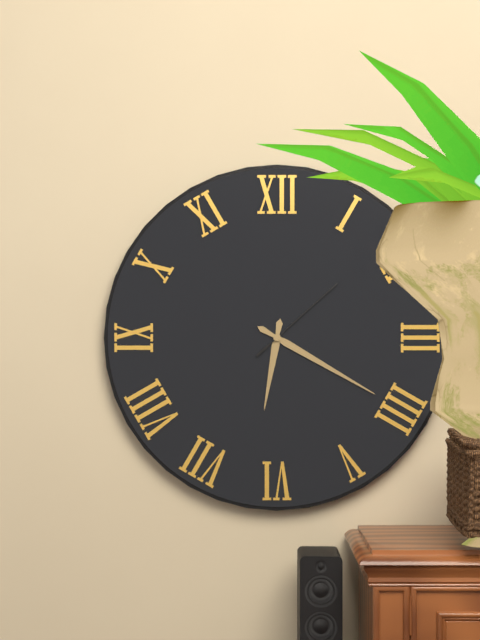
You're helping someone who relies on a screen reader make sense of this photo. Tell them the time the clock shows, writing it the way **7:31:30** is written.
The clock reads **6:20:08**
